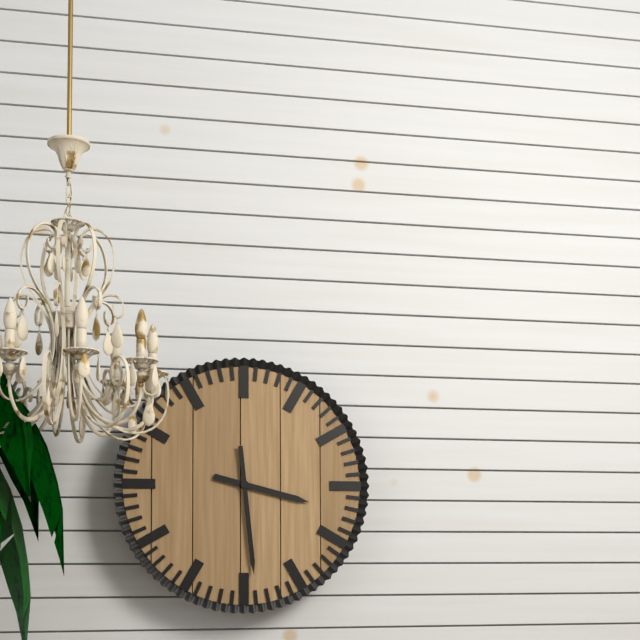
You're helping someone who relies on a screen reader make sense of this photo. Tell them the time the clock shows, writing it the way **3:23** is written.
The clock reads **3:29**
